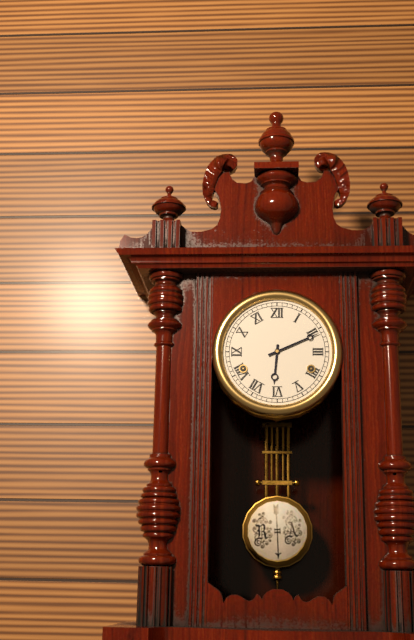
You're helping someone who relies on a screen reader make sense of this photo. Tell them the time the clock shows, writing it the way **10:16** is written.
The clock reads **6:11**
